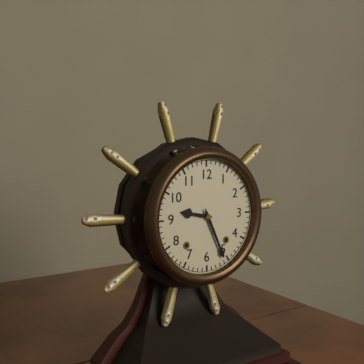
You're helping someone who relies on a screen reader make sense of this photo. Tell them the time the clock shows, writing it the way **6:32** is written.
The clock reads **9:26**
